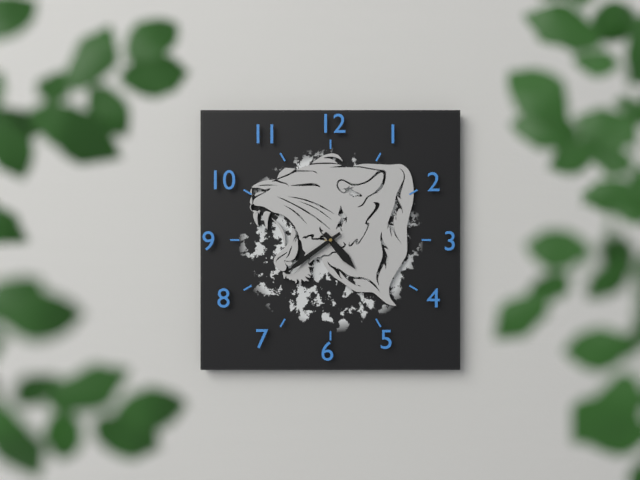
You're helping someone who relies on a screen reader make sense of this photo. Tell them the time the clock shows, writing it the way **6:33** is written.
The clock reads **4:39**
